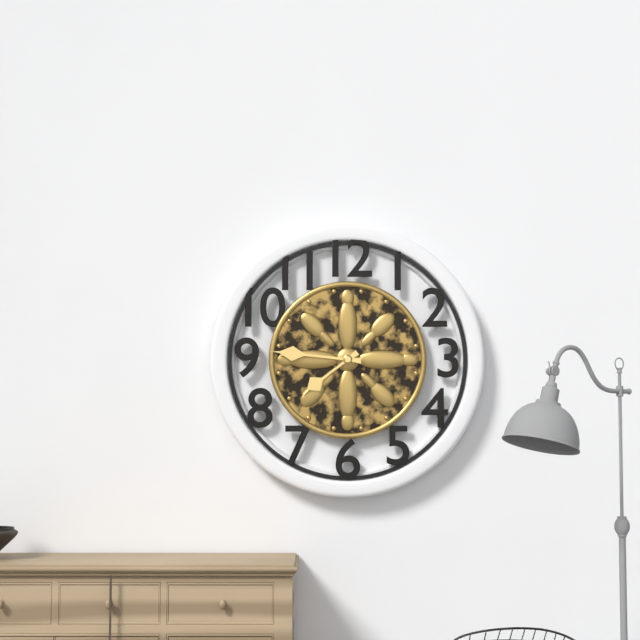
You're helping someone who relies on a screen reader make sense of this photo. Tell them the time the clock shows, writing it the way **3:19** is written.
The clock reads **7:46**
